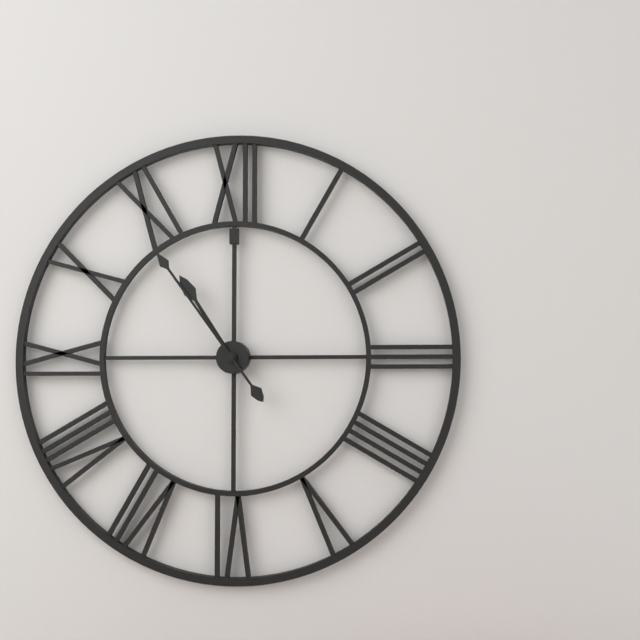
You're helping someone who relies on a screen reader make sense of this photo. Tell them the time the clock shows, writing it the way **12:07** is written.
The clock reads **10:54**
